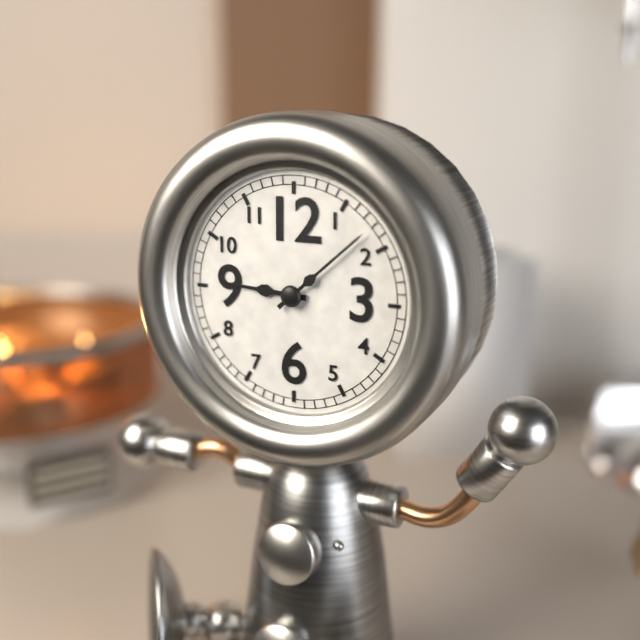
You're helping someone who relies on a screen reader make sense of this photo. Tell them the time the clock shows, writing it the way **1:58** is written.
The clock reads **9:08**
